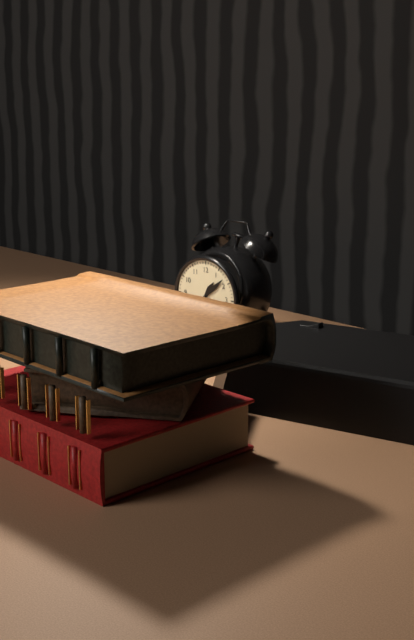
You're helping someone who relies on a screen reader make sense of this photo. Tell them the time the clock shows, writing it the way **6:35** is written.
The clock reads **1:08**
